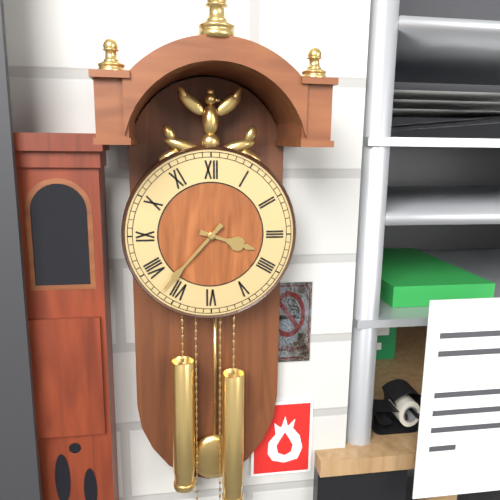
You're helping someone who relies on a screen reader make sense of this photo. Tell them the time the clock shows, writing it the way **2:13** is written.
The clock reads **3:37**
